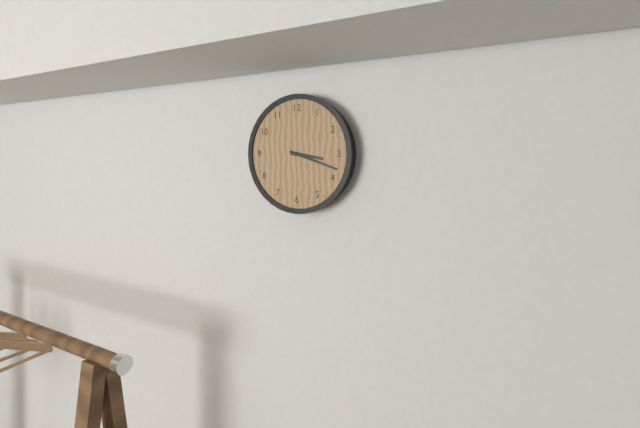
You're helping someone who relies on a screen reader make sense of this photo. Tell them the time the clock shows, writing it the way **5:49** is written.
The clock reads **3:18**
